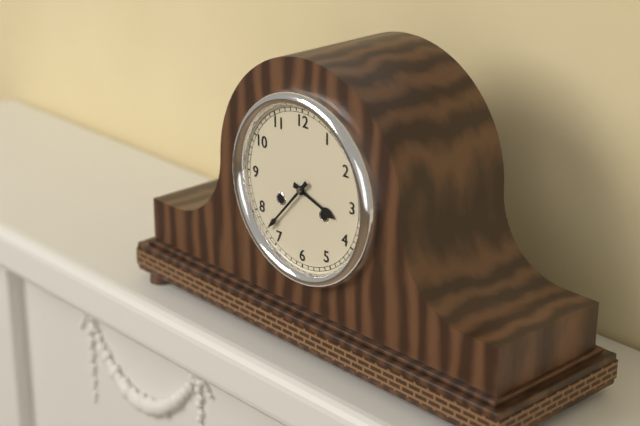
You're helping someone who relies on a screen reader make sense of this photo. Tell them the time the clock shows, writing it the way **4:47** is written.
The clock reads **3:37**
